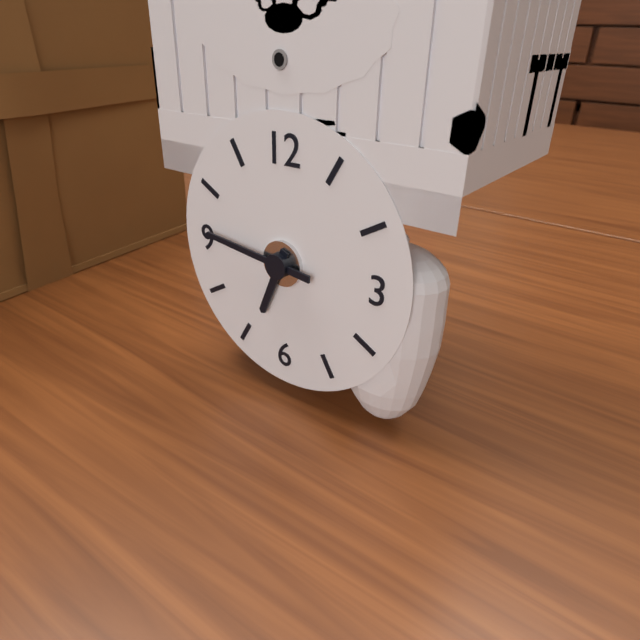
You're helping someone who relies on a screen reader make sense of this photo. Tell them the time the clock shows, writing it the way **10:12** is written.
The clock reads **6:46**
